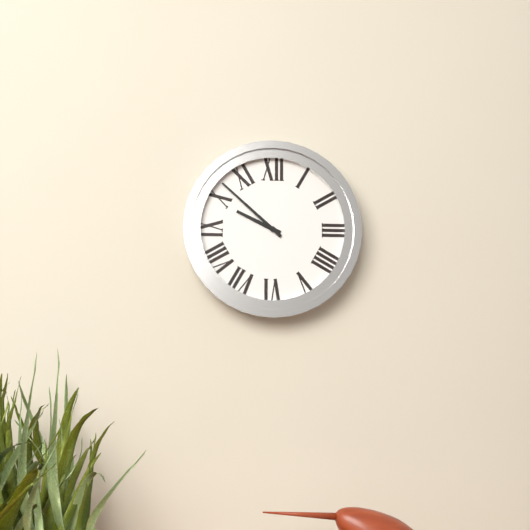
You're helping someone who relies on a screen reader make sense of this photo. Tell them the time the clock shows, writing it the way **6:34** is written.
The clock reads **9:52**
